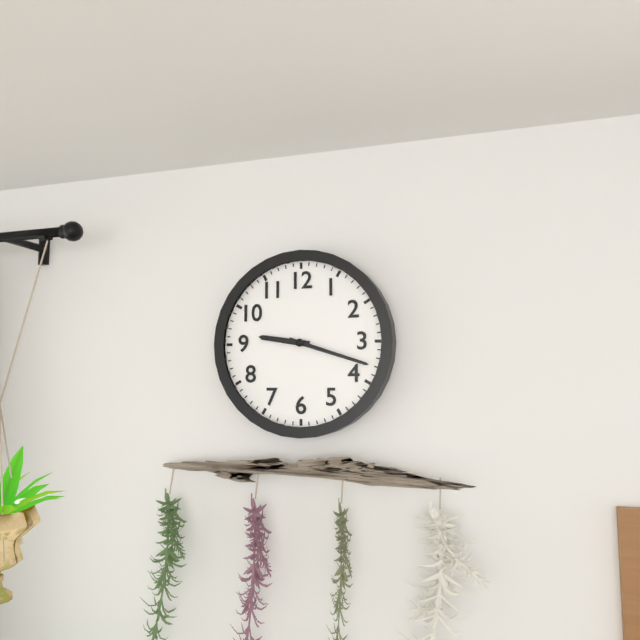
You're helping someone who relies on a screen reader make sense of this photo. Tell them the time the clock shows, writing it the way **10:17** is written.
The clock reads **9:18**
